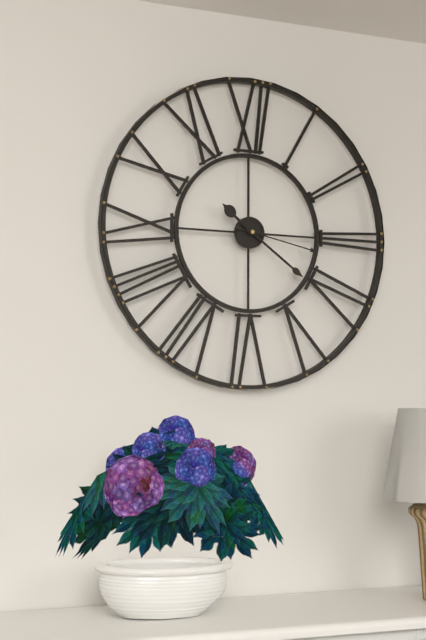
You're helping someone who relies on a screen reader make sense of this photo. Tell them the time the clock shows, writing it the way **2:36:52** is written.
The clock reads **10:21:17**
